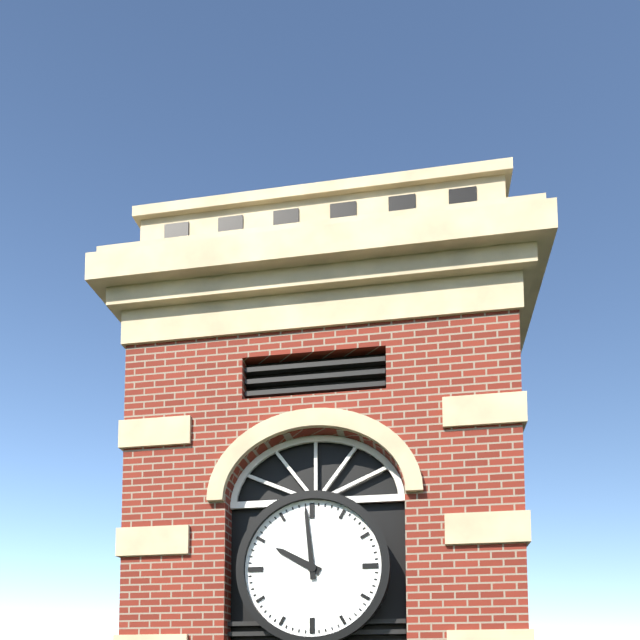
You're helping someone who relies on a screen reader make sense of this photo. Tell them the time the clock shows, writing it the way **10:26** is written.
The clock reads **9:59**
